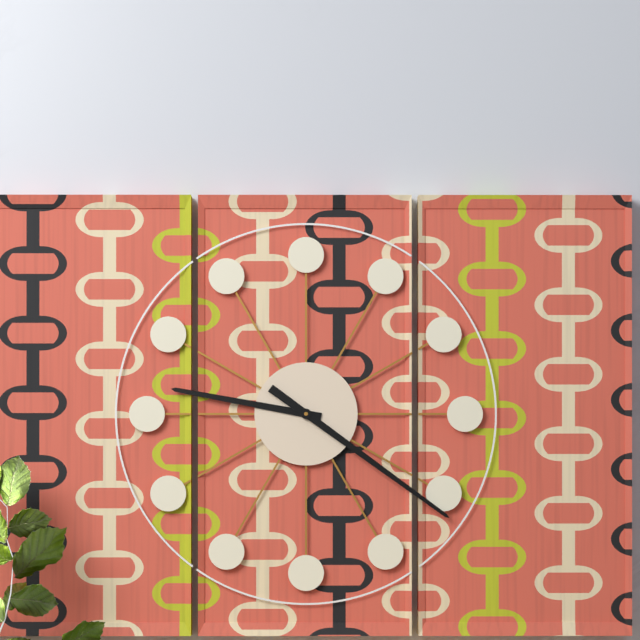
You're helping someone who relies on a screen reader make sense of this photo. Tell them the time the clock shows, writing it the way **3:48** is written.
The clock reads **9:21**
